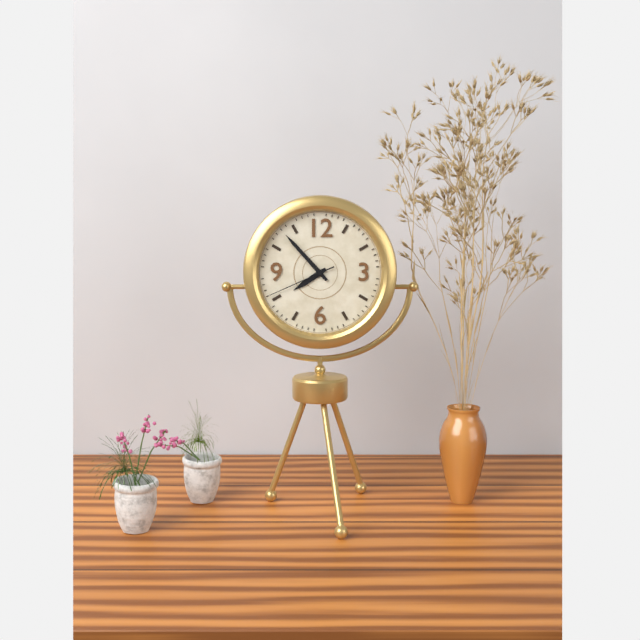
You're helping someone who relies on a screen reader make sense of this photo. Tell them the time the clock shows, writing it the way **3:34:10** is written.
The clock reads **7:53:41**
